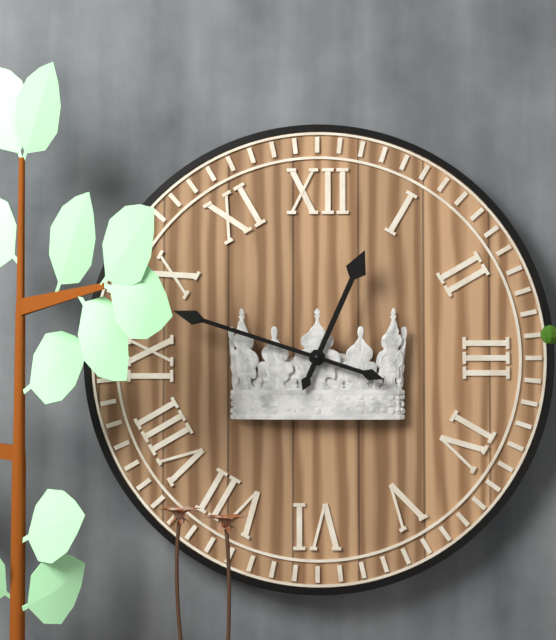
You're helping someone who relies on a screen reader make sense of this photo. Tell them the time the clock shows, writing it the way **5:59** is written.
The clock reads **12:48**
